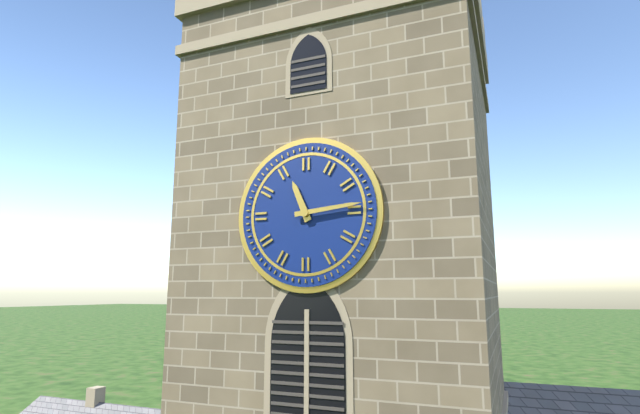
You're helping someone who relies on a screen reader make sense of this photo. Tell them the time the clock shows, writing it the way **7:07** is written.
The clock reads **11:14**
